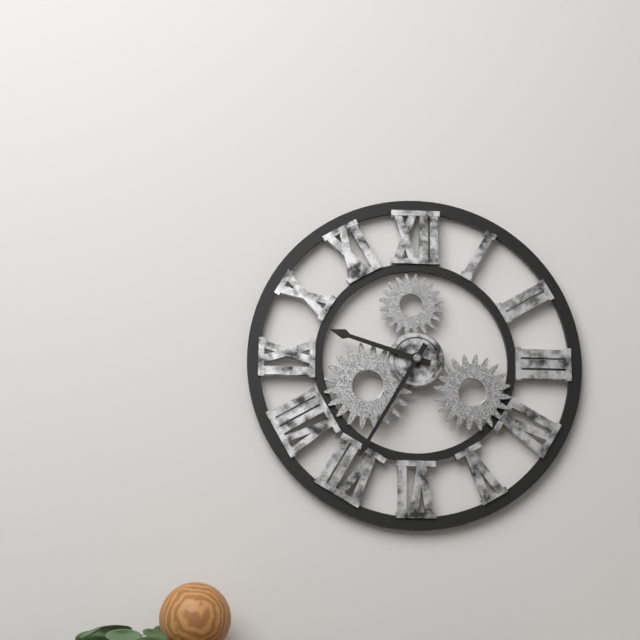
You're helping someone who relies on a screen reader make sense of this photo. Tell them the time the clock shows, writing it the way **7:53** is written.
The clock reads **9:35**
